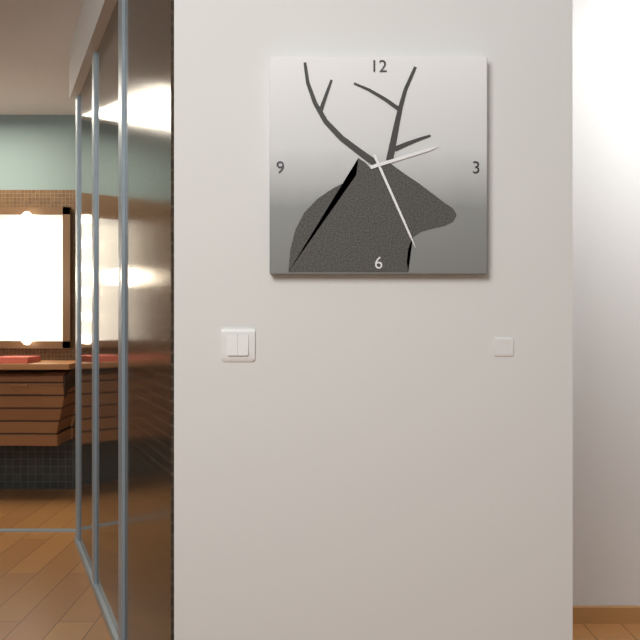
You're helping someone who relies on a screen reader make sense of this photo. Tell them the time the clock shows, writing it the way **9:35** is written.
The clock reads **2:26**
